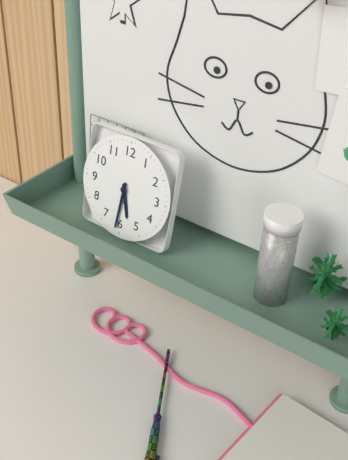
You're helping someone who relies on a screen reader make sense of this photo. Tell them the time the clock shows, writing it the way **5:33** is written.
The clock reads **5:31**
